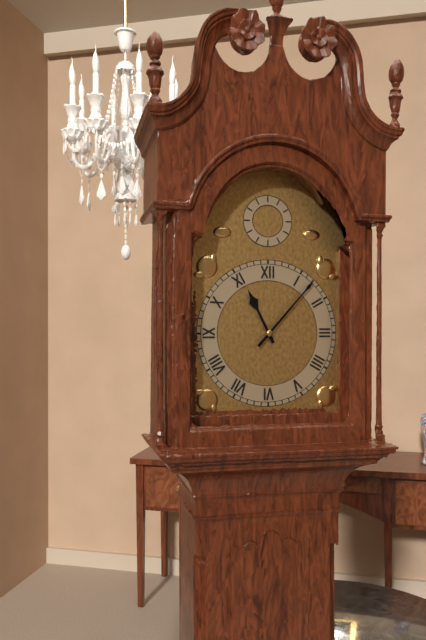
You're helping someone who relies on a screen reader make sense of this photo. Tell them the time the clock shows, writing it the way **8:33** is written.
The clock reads **11:07**
